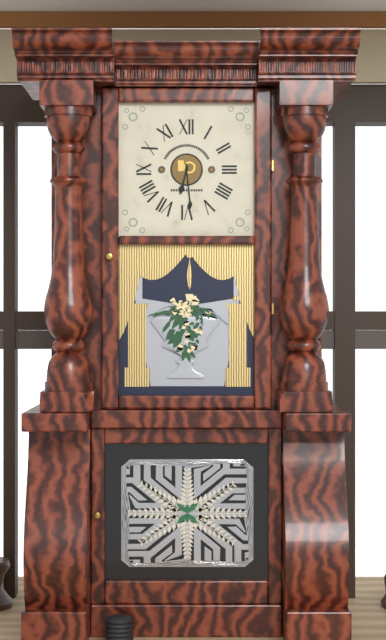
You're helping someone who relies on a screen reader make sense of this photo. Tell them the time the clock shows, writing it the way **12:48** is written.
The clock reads **6:29**
